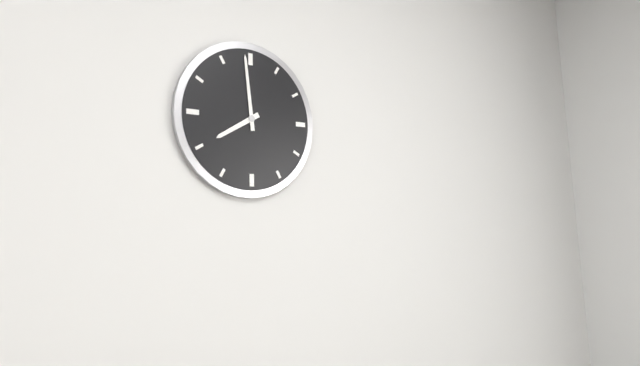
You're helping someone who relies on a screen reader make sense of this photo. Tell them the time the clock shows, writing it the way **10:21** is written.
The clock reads **7:59**
